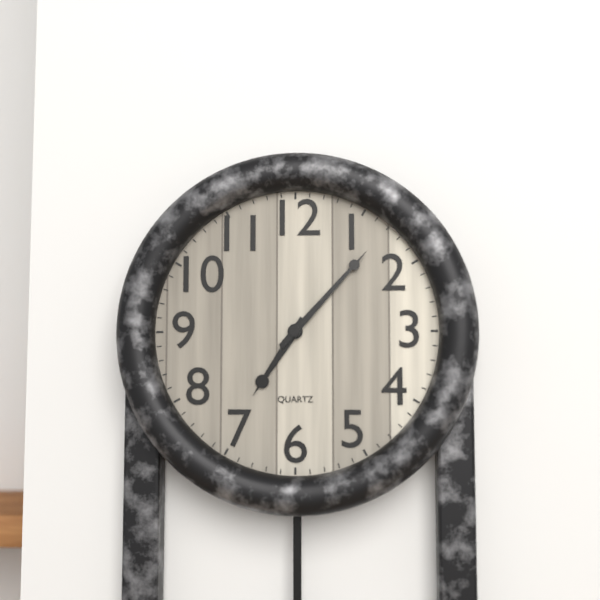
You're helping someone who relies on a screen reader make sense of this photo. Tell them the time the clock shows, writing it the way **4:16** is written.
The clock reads **7:07**
